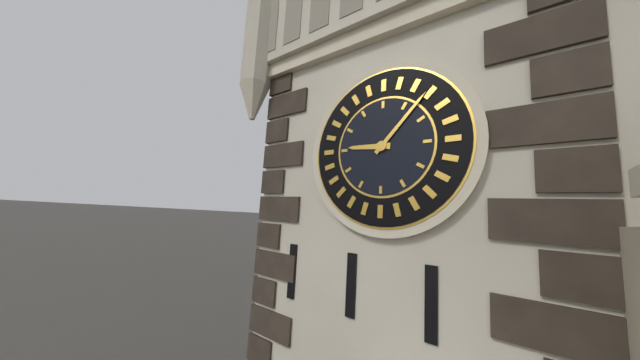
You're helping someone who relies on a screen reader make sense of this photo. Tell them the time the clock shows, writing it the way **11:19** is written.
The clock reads **9:07**
